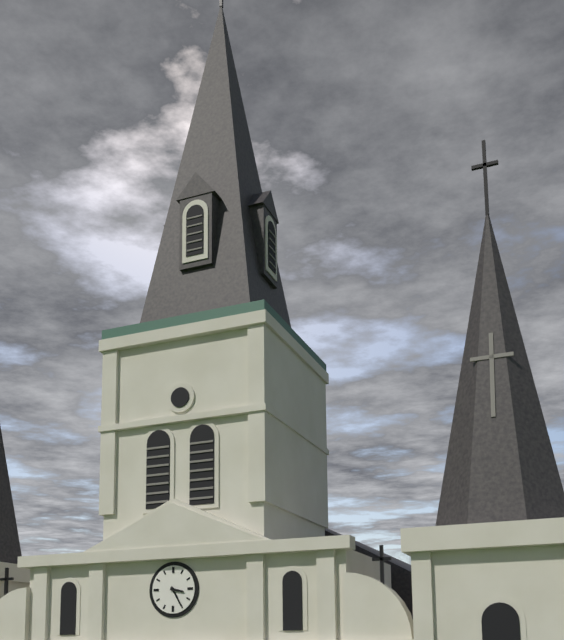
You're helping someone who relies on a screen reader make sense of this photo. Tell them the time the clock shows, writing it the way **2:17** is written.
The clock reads **3:25**
